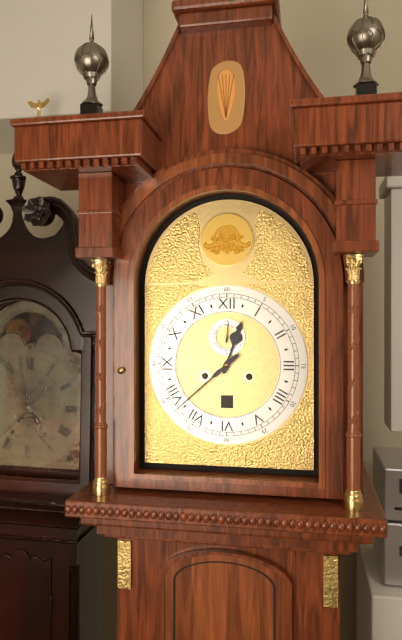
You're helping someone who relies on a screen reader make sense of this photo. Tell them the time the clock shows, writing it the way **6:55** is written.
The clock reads **12:38**
